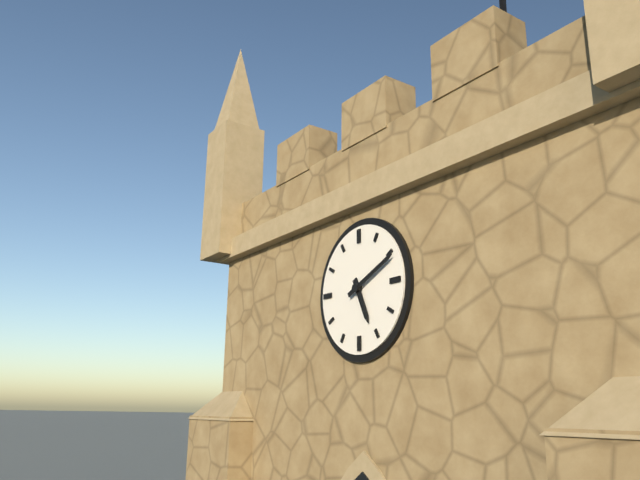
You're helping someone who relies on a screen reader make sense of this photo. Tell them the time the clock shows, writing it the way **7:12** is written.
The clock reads **5:11**
